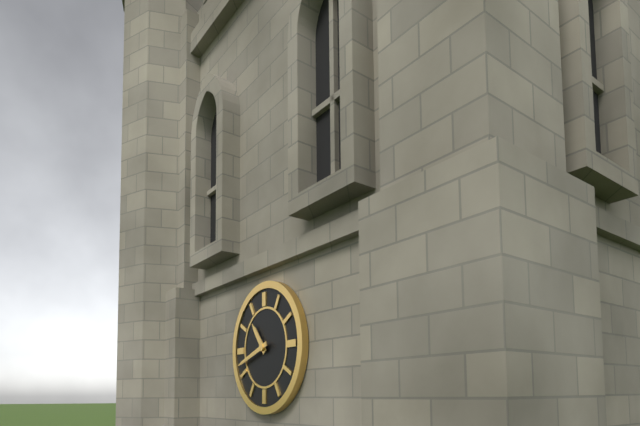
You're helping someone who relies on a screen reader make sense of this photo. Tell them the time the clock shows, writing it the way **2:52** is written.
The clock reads **10:42**
